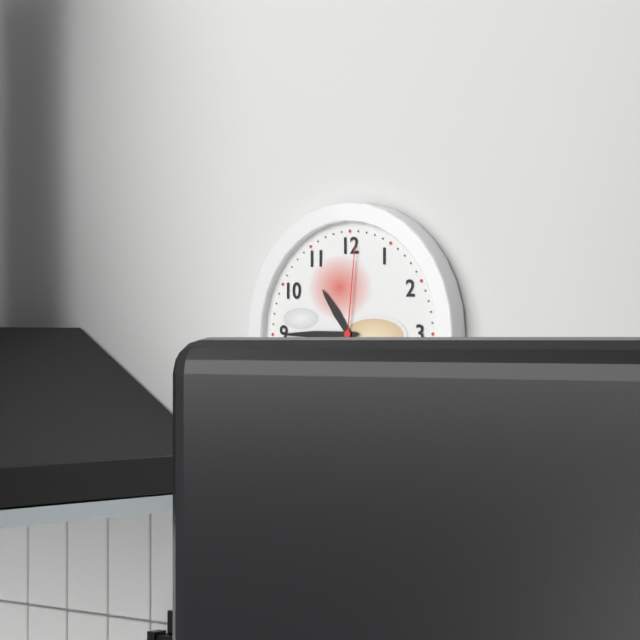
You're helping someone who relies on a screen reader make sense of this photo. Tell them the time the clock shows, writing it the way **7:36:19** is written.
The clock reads **10:45:01**
